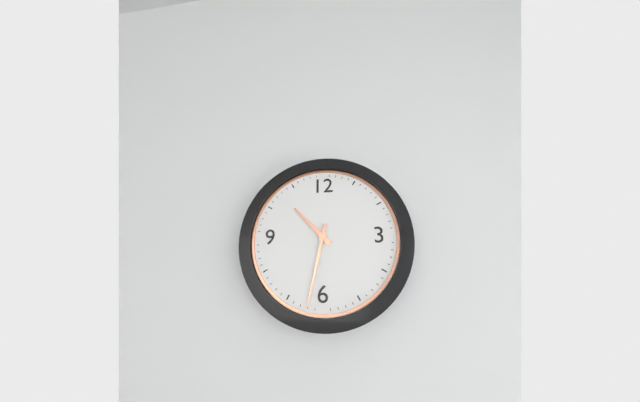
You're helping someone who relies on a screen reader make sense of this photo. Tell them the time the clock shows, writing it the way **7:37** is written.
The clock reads **10:32**
